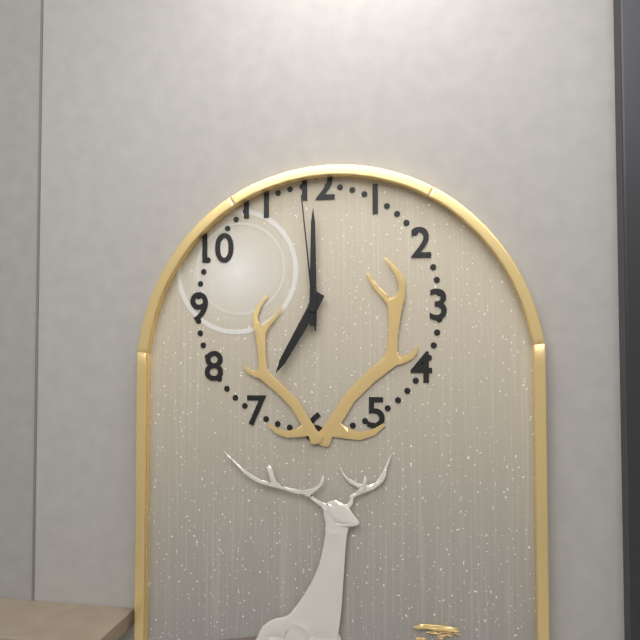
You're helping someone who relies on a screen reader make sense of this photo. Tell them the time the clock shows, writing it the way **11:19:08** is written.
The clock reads **7:00:59**
